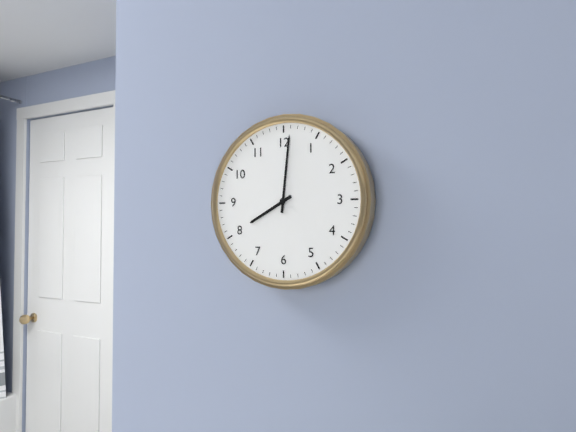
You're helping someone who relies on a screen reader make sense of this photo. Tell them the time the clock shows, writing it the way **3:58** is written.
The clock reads **8:01**
